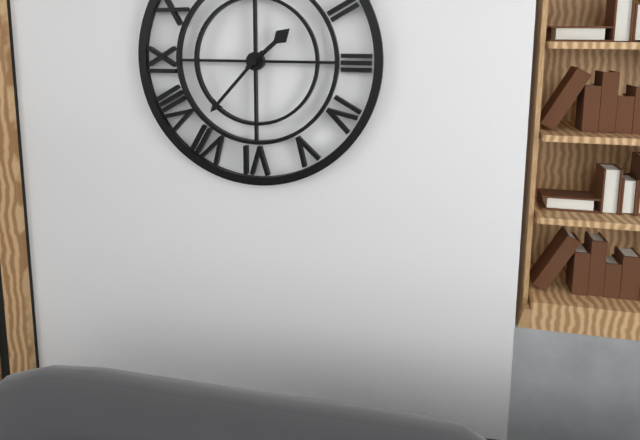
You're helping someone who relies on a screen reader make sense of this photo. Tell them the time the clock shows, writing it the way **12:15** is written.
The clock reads **1:37**
